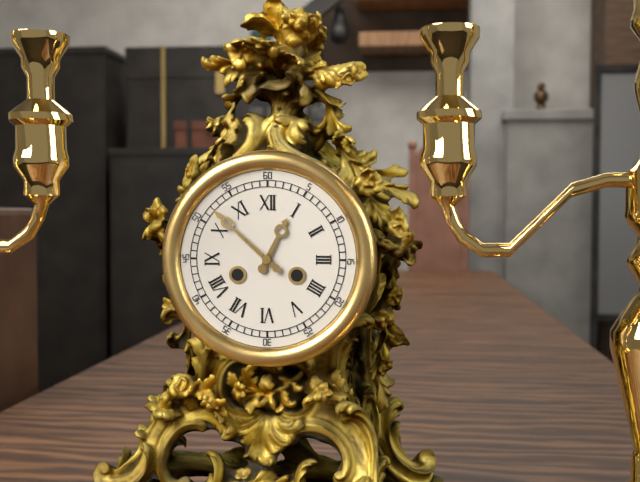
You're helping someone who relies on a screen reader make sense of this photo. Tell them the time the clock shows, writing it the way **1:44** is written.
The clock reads **12:52**
